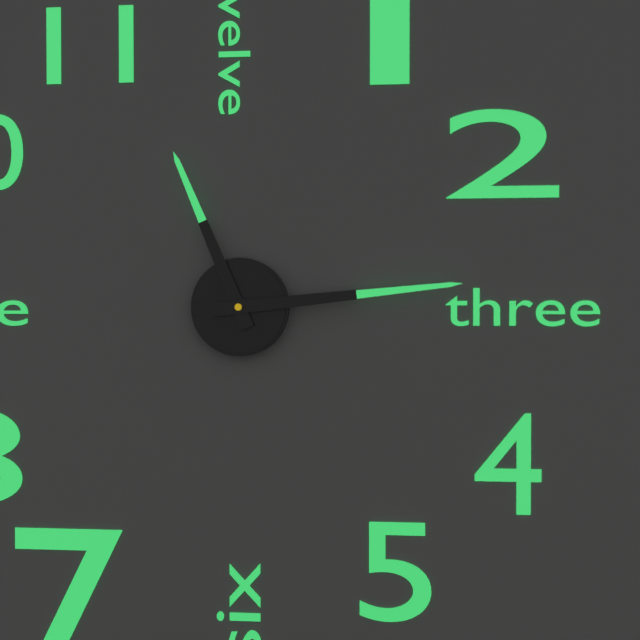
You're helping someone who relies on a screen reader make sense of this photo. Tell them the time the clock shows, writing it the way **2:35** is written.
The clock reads **11:14**
